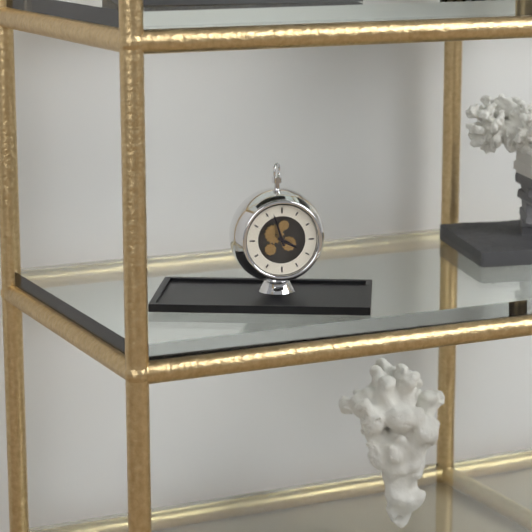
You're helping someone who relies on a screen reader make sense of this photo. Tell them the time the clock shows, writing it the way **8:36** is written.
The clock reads **3:57**
